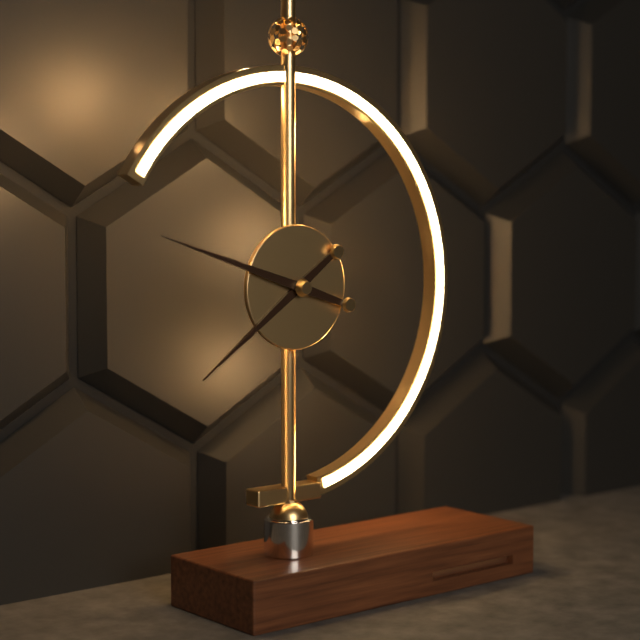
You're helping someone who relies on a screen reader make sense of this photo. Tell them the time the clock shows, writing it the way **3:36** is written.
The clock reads **7:48**
